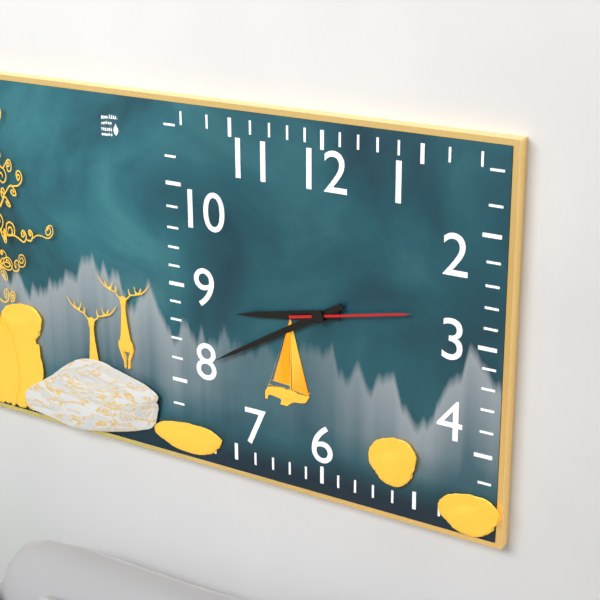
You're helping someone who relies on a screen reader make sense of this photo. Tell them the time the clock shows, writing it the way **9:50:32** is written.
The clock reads **8:40:13**
